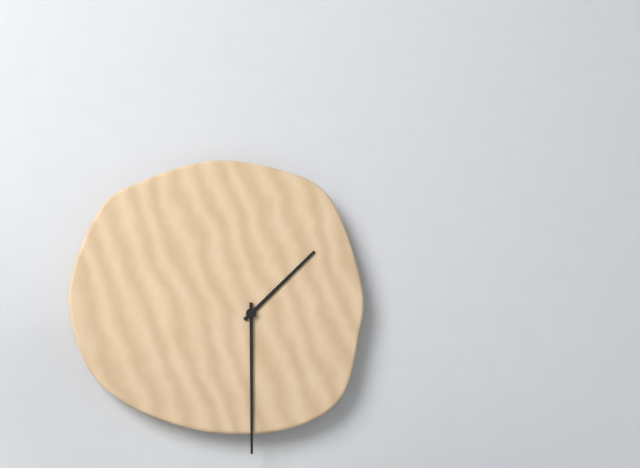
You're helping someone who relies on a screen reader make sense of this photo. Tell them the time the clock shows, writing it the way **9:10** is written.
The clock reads **1:30**
